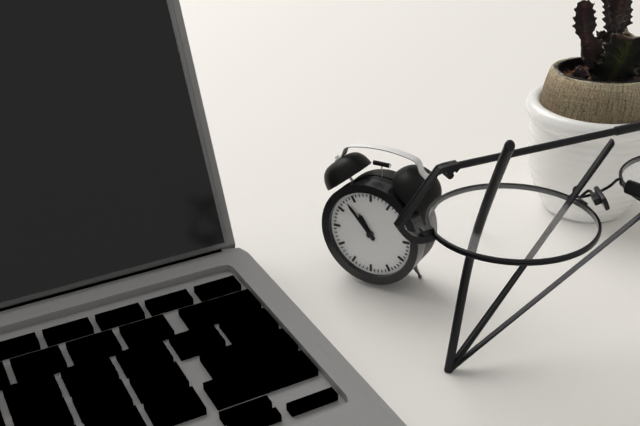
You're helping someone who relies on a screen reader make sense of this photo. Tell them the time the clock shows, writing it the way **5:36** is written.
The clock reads **10:53**
